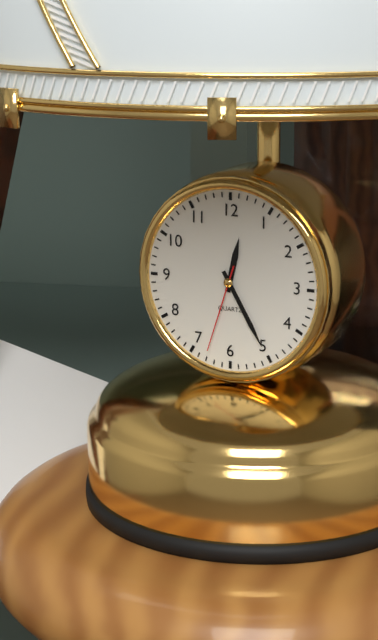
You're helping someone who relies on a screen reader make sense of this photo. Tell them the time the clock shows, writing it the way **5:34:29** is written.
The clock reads **12:25:33**
